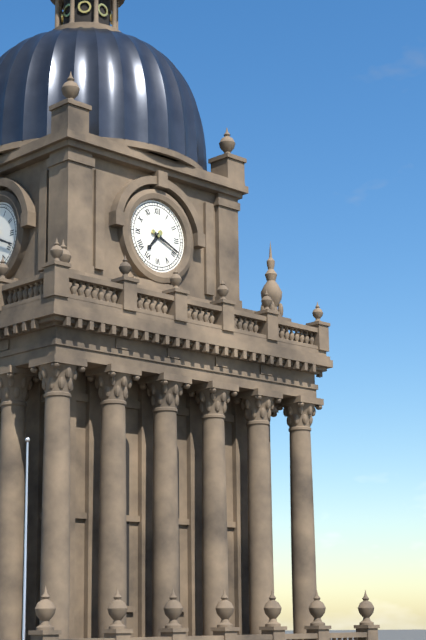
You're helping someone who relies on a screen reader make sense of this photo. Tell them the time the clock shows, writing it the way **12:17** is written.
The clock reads **7:19**
